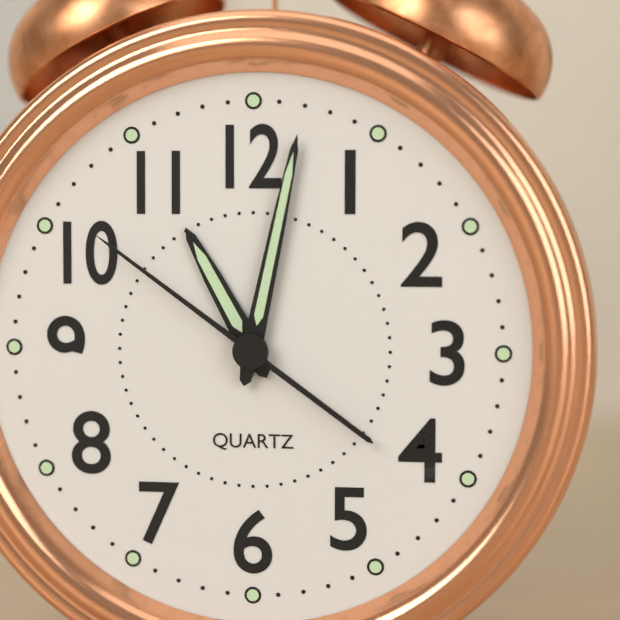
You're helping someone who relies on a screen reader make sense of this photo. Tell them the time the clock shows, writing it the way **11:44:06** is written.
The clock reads **11:02:51**
